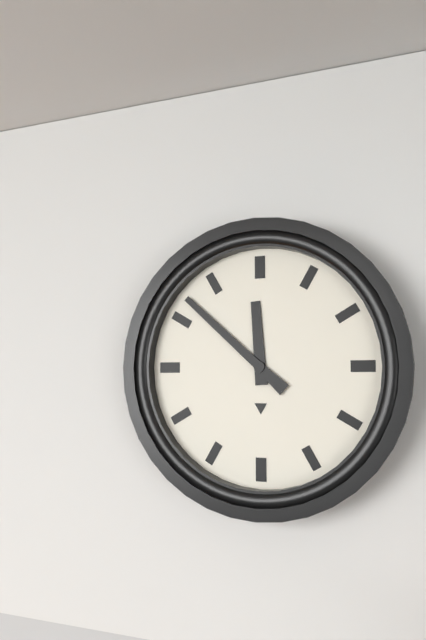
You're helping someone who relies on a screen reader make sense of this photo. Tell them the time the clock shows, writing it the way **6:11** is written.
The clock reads **11:52**
